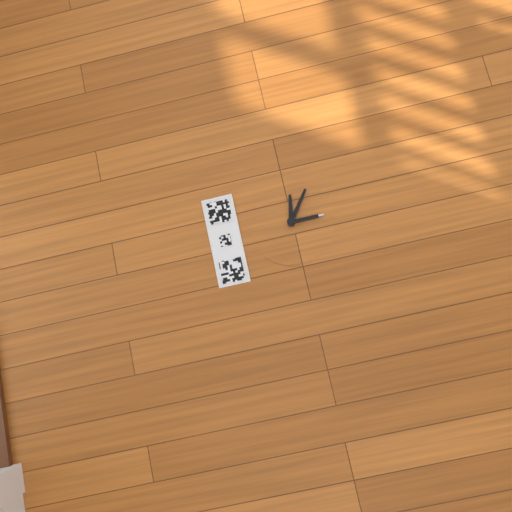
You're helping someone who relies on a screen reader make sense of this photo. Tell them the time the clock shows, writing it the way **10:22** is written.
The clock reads **3:21**
